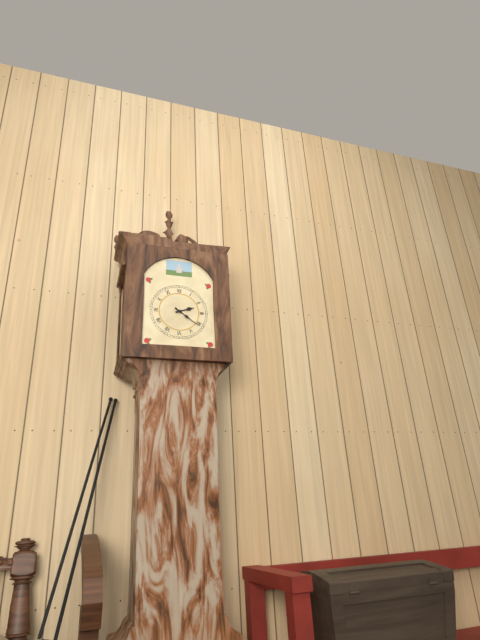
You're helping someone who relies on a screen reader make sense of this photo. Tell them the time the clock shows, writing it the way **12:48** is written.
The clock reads **2:21**
